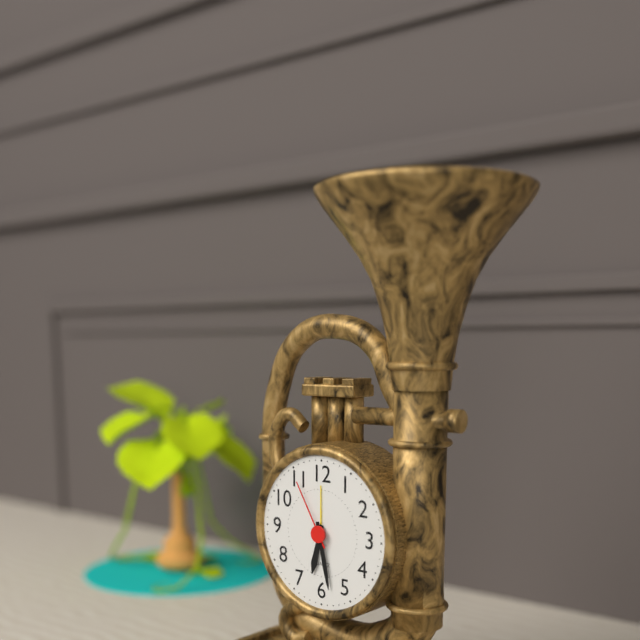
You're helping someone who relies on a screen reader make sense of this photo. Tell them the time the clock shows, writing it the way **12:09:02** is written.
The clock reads **6:28:55**
